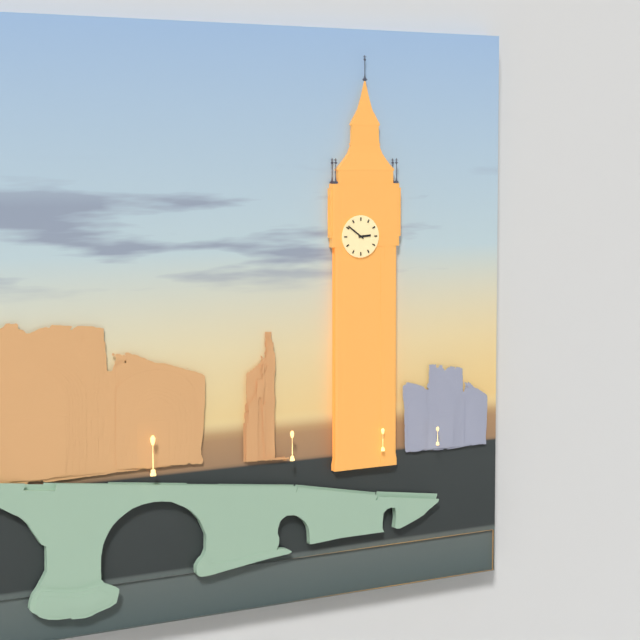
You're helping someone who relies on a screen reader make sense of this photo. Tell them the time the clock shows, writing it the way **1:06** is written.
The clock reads **2:51**
